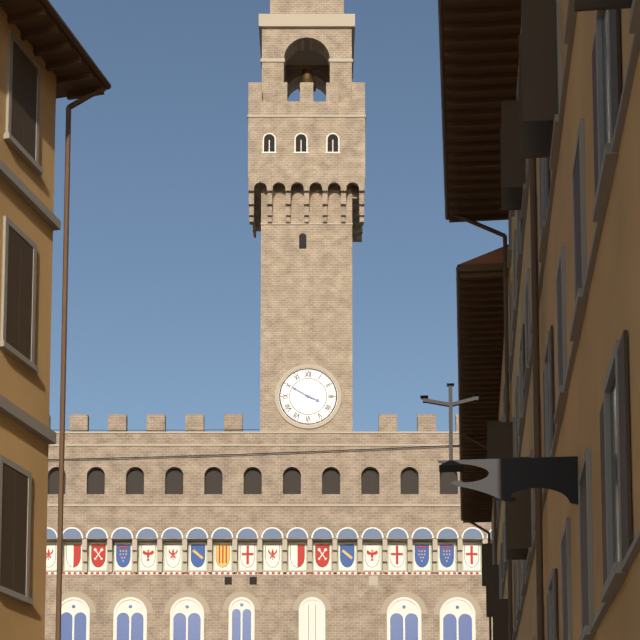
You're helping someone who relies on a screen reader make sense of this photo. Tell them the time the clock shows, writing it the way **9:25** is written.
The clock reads **3:50**
